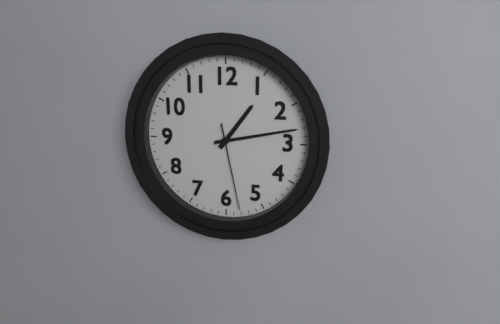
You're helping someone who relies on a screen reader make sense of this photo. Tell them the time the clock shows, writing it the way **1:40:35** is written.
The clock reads **1:13:28**
